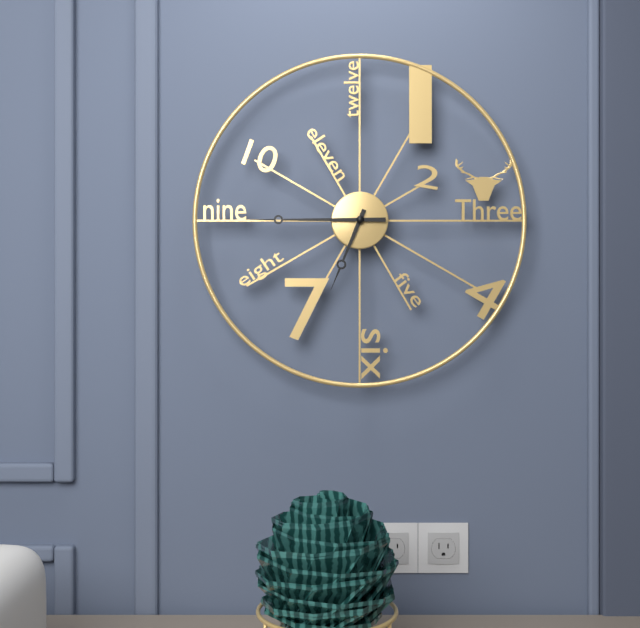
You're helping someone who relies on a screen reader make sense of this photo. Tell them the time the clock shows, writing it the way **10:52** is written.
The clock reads **6:45**
